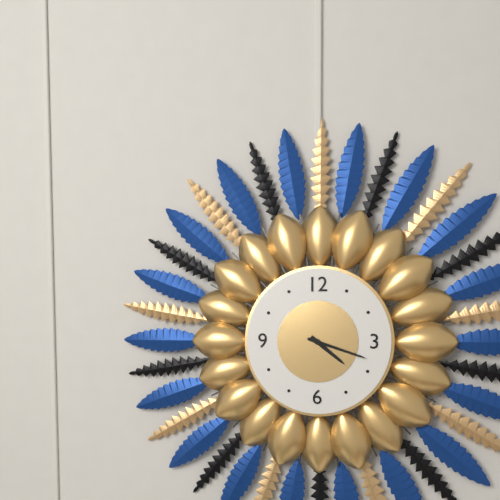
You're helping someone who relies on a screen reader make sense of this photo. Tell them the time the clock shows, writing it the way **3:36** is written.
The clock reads **4:18**
